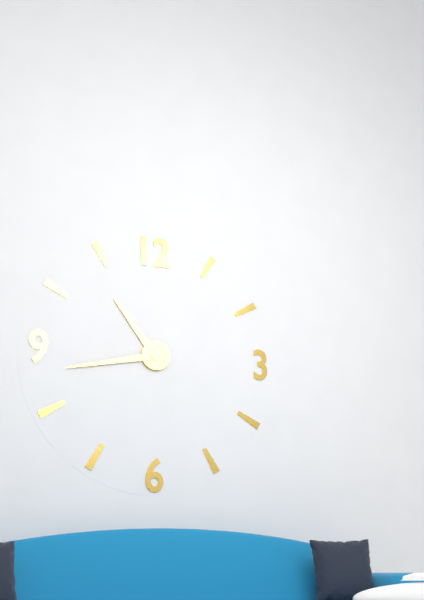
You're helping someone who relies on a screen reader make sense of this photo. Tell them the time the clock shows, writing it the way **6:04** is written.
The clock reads **10:43**
